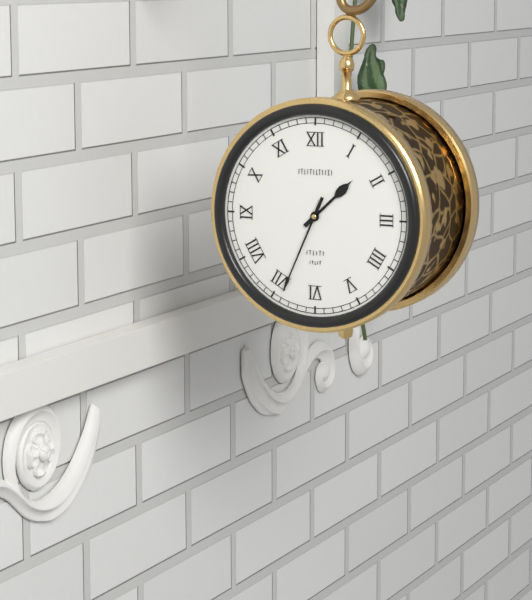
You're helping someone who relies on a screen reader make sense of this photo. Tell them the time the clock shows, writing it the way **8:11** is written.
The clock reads **1:34**
